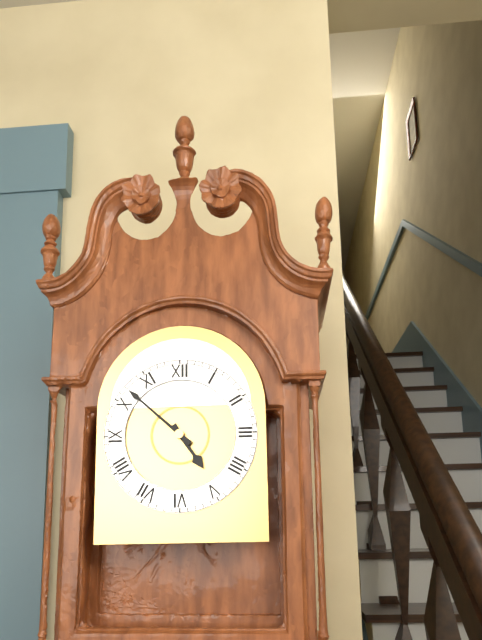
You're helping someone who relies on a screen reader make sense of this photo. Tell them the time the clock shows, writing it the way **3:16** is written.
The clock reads **4:52**
